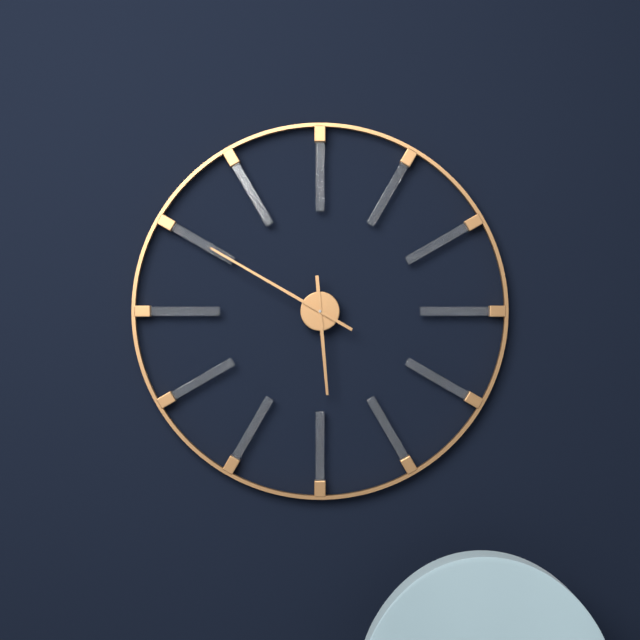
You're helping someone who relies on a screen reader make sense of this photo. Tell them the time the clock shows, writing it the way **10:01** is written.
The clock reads **5:50**
